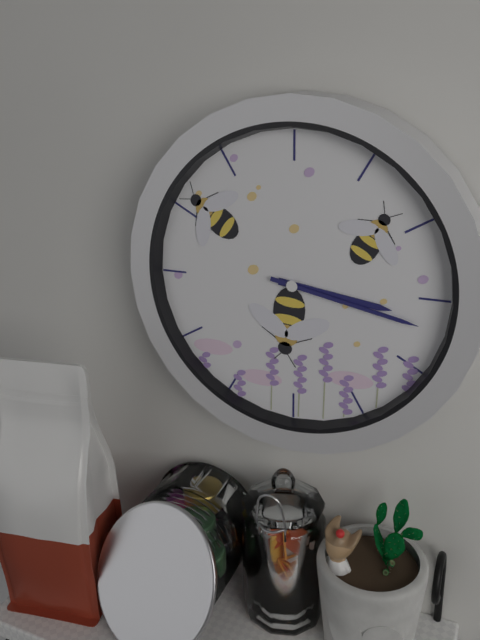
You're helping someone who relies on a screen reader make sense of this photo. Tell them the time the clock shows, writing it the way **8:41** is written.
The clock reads **3:17**
